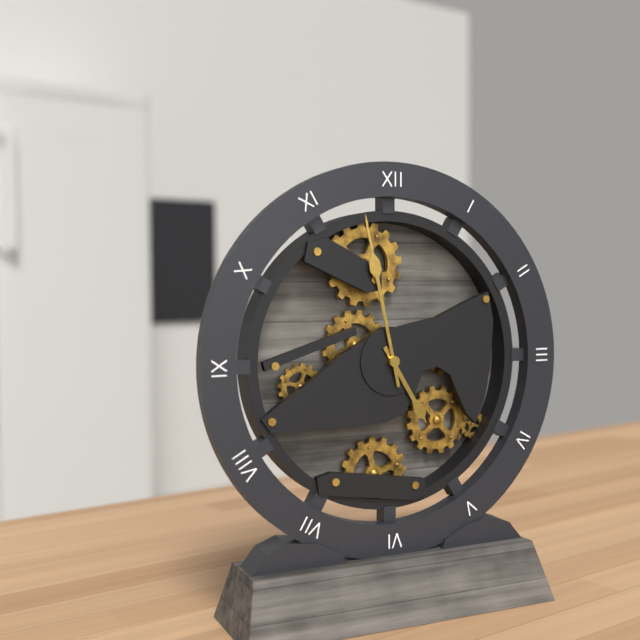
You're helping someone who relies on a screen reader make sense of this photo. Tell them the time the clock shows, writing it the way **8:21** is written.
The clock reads **4:58**
